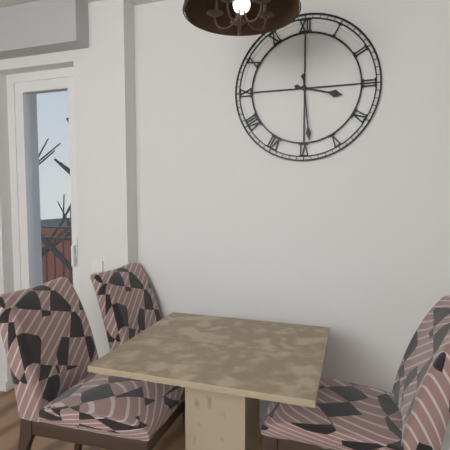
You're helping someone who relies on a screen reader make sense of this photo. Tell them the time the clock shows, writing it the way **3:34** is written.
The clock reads **3:29**
